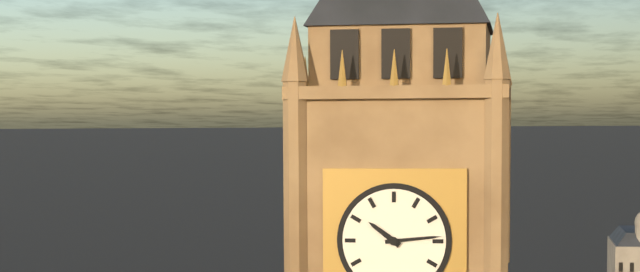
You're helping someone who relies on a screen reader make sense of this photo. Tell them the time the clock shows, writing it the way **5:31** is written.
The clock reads **10:14**
